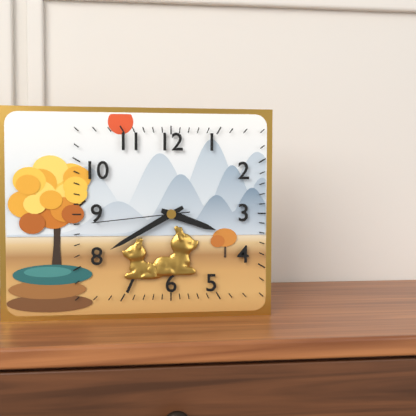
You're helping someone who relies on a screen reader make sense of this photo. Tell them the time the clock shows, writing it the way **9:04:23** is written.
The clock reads **3:40:44**
